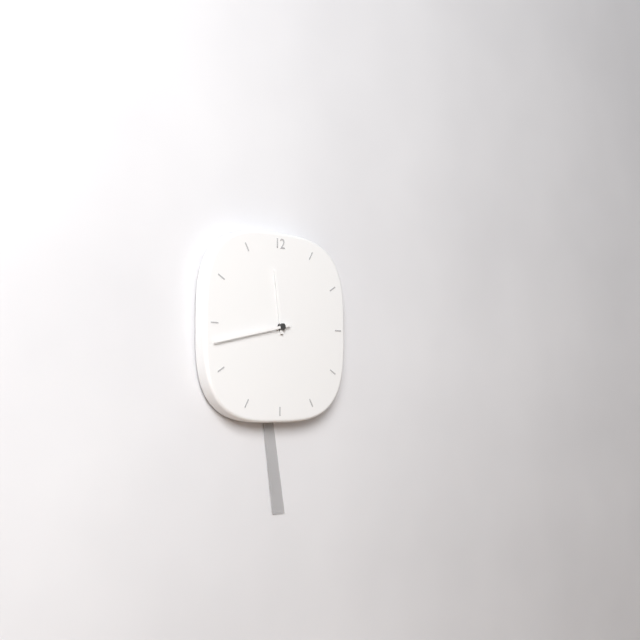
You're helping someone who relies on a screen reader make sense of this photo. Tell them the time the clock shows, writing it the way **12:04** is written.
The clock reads **11:43**
